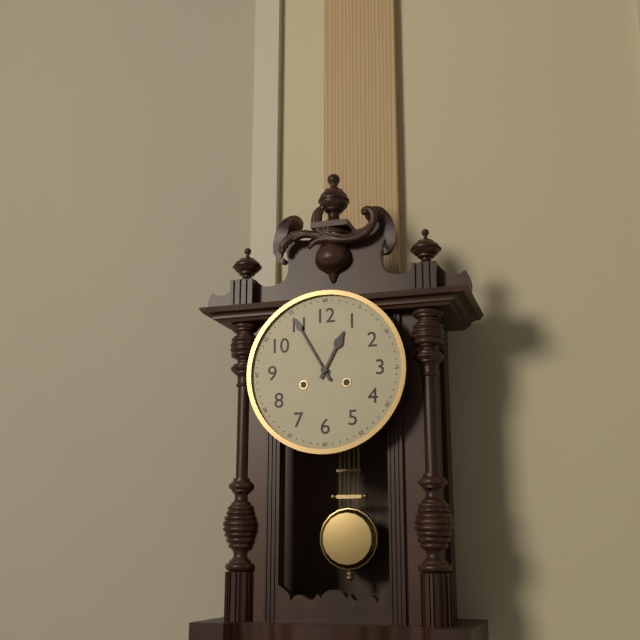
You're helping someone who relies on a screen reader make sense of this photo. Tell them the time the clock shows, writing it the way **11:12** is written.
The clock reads **12:55**
